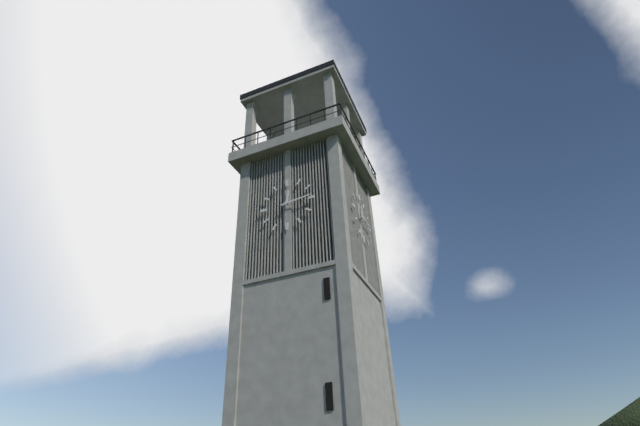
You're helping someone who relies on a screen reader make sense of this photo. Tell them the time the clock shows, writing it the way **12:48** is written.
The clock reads **12:14**
